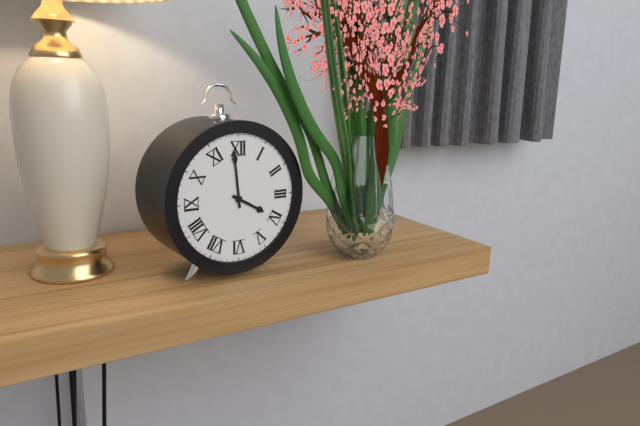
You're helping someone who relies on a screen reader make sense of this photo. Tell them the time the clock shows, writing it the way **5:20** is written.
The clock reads **3:59**
